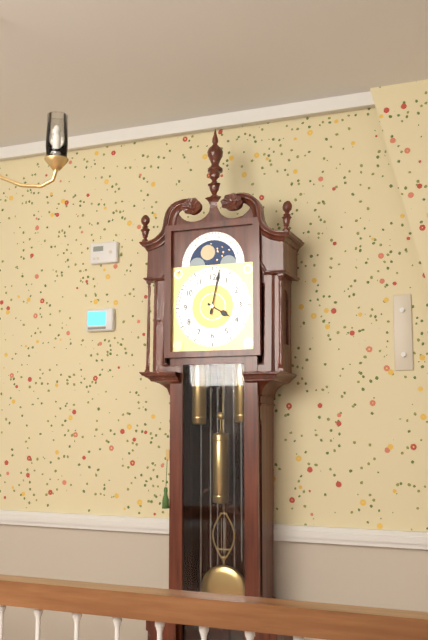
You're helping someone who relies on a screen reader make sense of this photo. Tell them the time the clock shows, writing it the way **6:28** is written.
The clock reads **4:02**
